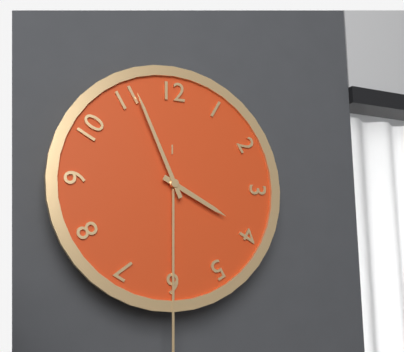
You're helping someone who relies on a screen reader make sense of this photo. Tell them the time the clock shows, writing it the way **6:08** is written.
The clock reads **3:56**
